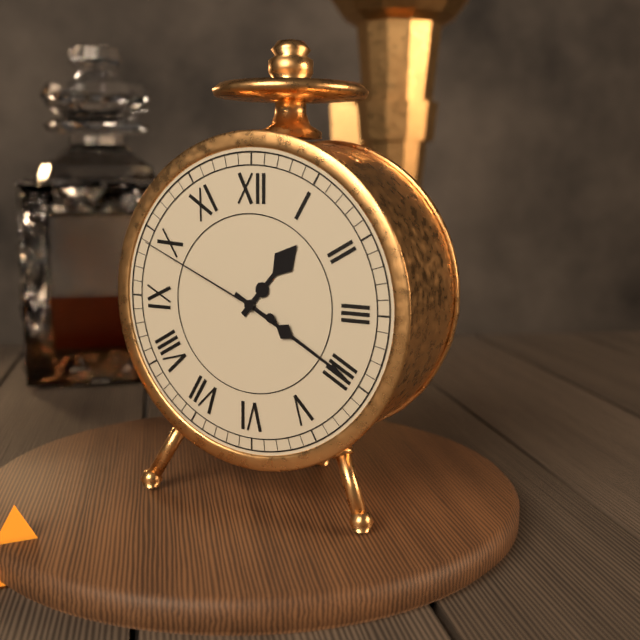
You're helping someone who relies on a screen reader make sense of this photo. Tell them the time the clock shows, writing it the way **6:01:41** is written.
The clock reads **1:20:49**
